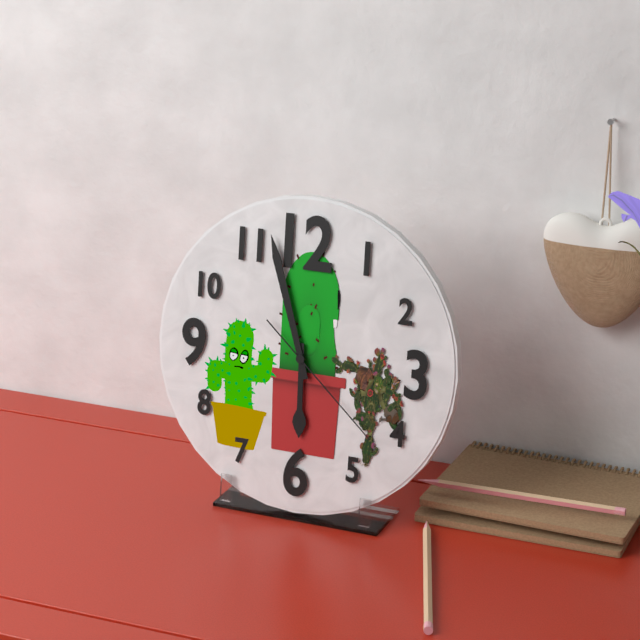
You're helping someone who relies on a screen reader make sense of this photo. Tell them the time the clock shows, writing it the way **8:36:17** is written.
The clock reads **5:57:22**
